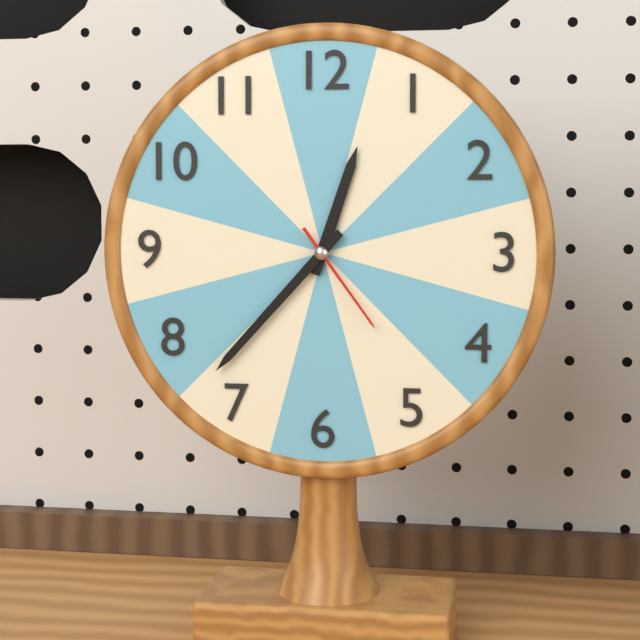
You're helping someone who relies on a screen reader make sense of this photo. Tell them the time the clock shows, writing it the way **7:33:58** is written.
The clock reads **12:37:24**
